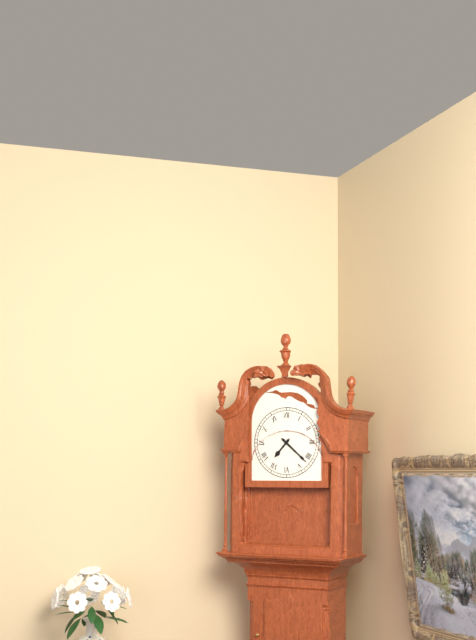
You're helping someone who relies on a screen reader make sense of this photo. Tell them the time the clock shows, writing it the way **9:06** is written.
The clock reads **7:22**
